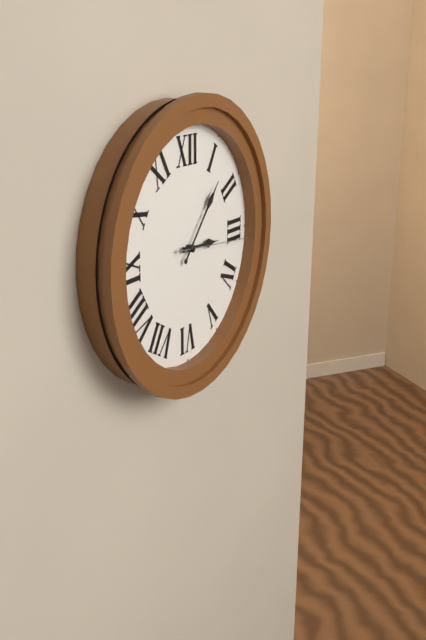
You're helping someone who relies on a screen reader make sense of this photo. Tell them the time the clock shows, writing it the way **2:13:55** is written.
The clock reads **3:07:16**
